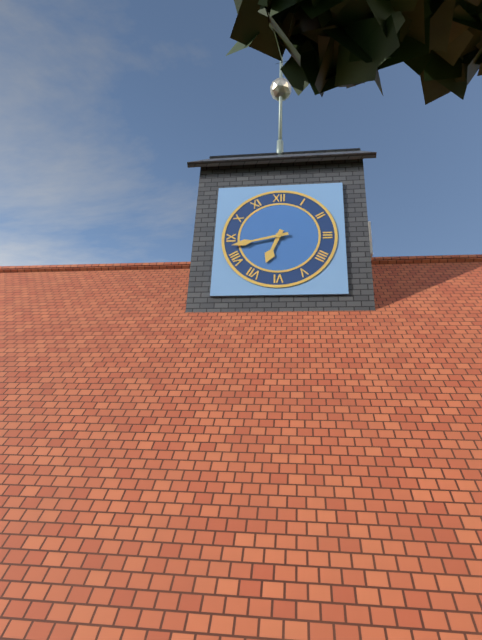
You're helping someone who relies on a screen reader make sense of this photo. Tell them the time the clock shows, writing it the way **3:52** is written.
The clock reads **6:43**
